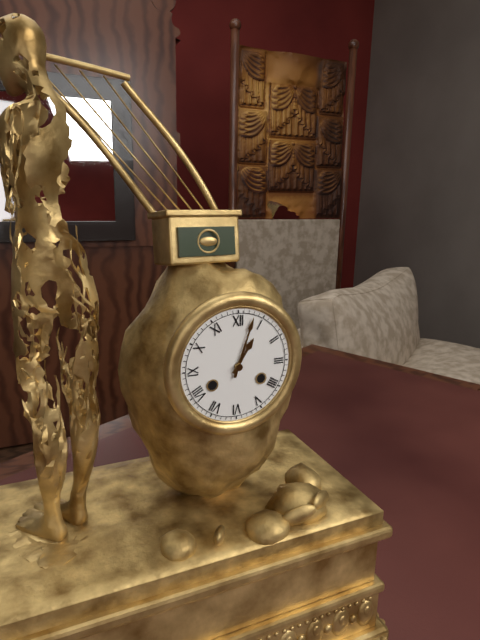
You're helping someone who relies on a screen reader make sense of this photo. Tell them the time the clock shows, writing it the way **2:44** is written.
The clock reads **1:03**
